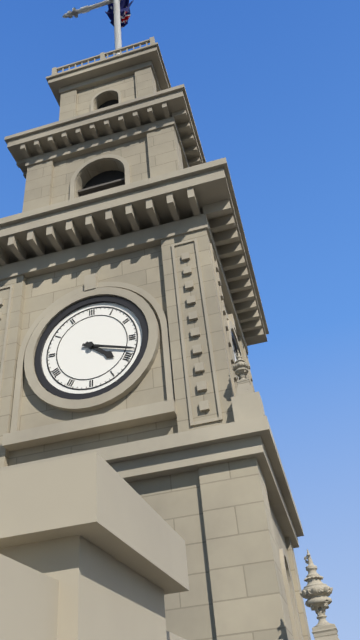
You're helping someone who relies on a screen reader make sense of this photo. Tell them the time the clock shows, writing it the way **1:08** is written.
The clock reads **4:18**
